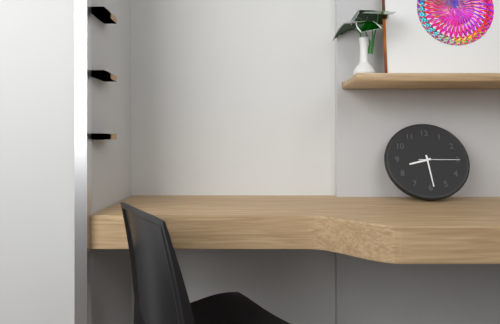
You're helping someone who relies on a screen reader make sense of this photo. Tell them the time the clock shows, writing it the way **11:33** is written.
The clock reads **8:29**
